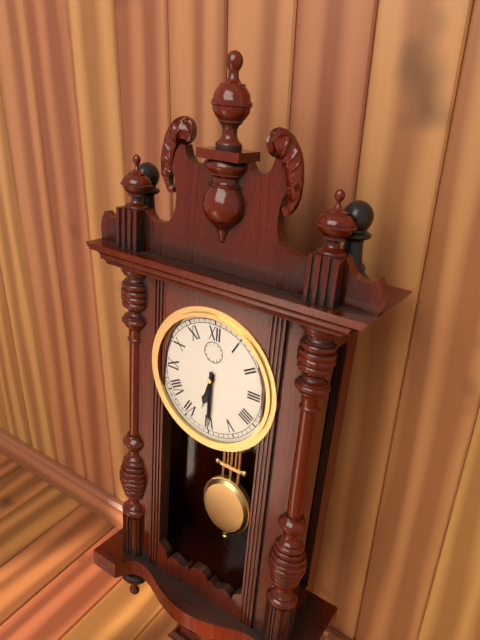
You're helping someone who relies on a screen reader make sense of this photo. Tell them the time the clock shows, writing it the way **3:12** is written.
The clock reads **6:30**
